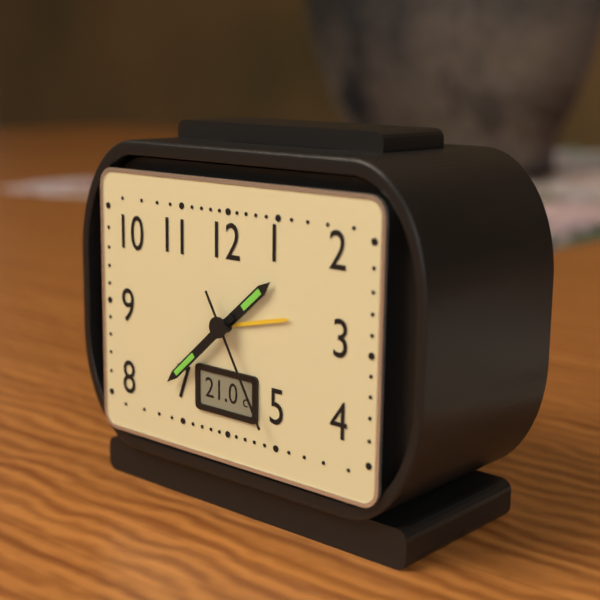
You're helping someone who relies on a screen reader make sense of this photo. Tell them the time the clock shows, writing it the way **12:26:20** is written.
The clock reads **1:38:25**
